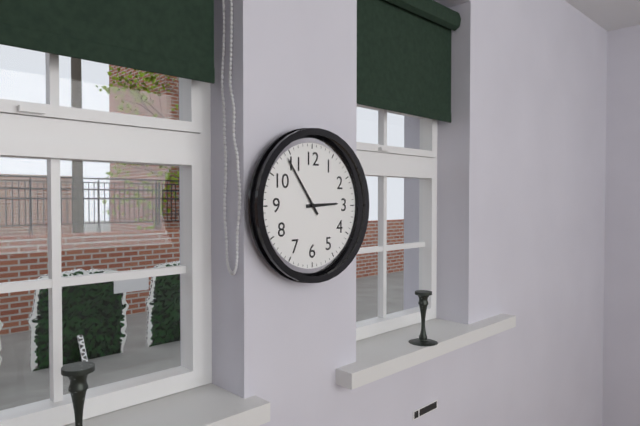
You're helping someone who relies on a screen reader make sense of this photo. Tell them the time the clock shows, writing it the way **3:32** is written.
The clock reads **2:54**
